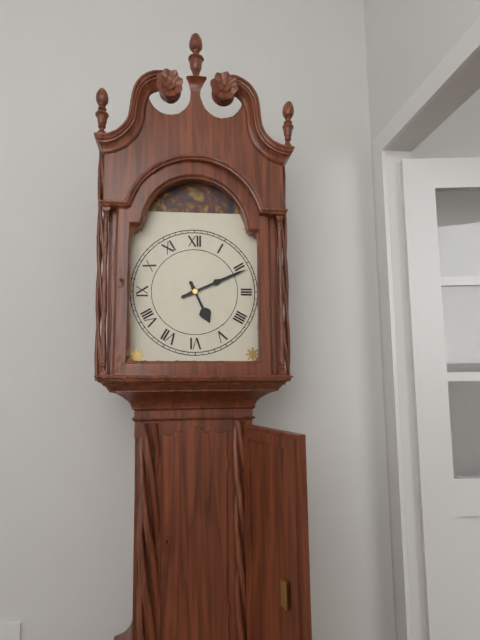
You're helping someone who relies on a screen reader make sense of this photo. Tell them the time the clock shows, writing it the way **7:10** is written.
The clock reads **5:11**
